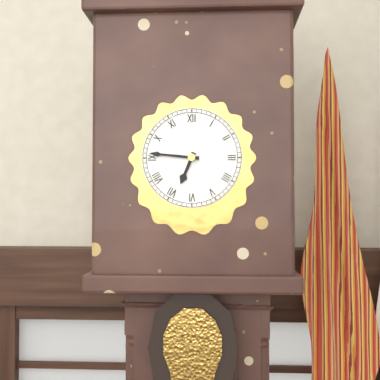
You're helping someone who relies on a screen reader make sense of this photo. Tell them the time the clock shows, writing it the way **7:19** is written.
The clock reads **6:46**
